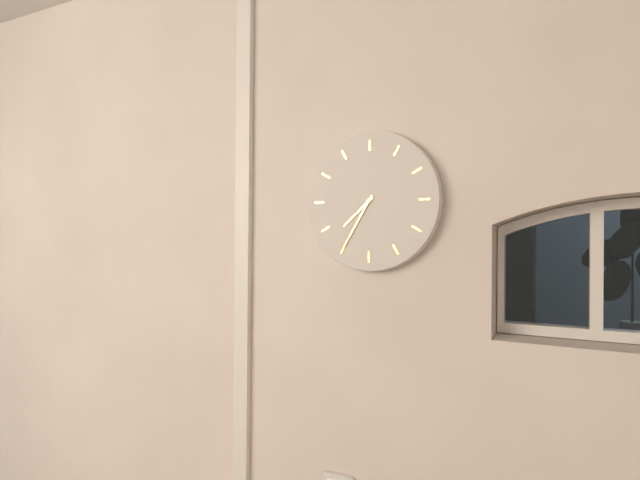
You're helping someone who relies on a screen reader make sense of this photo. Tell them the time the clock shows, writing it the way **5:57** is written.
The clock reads **7:35**
